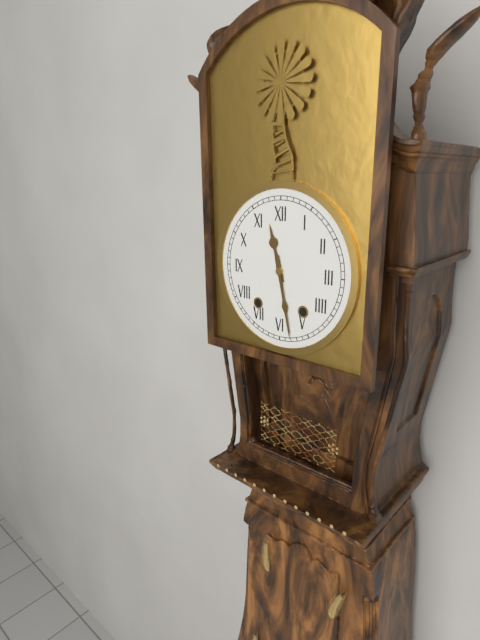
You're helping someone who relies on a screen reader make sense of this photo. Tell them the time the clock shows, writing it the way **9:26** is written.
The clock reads **11:28**
